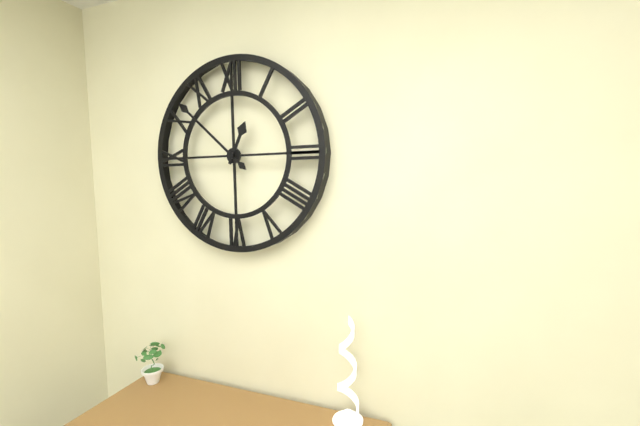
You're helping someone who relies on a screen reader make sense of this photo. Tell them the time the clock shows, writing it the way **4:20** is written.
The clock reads **12:52**
